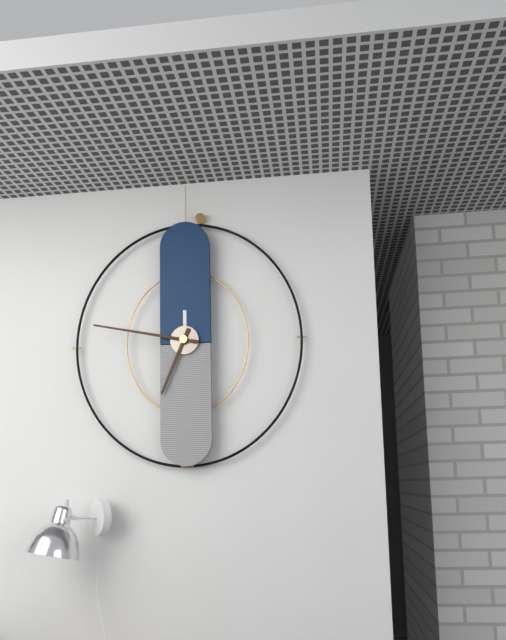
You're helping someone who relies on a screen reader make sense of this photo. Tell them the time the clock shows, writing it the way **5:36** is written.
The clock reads **6:47**
